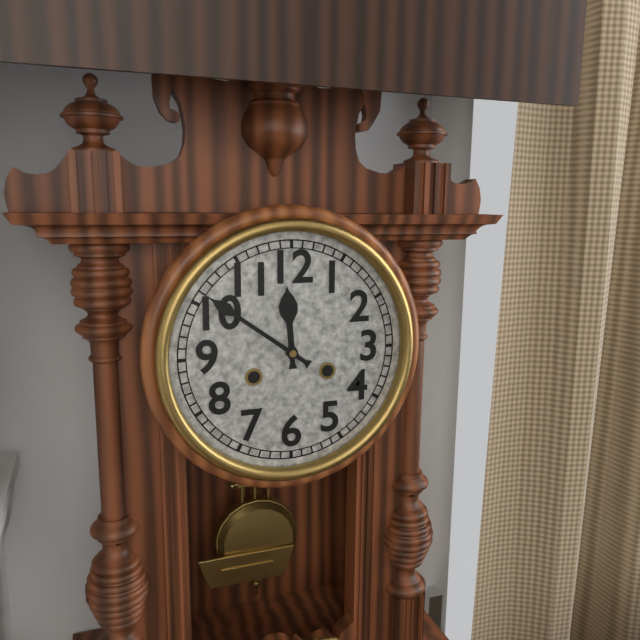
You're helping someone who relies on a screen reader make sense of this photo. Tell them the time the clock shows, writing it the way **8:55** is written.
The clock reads **11:51**
